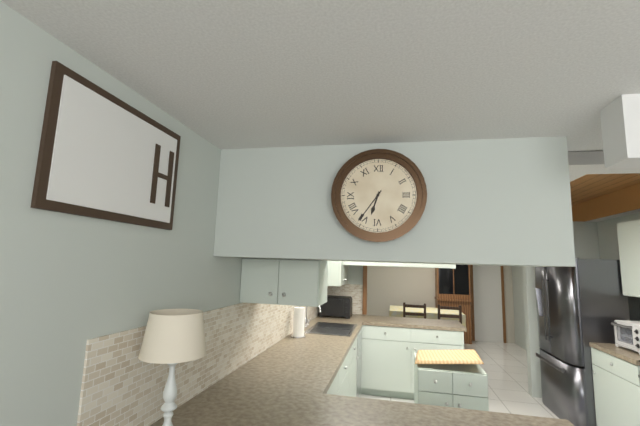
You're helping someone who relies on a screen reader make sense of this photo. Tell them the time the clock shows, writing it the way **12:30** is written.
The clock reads **6:36**
